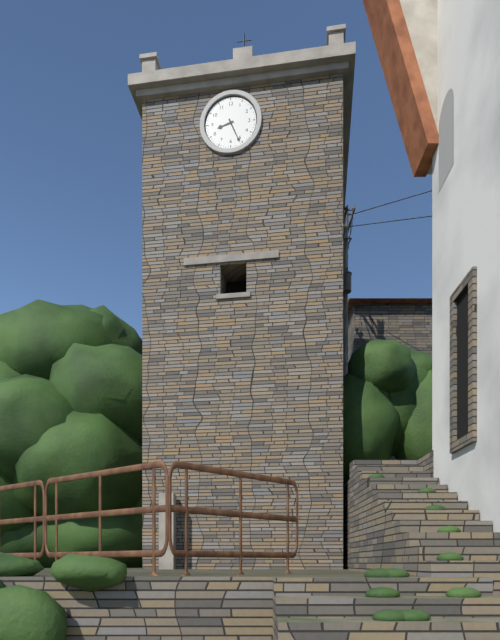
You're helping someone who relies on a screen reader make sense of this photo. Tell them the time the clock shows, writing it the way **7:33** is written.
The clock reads **8:26**
